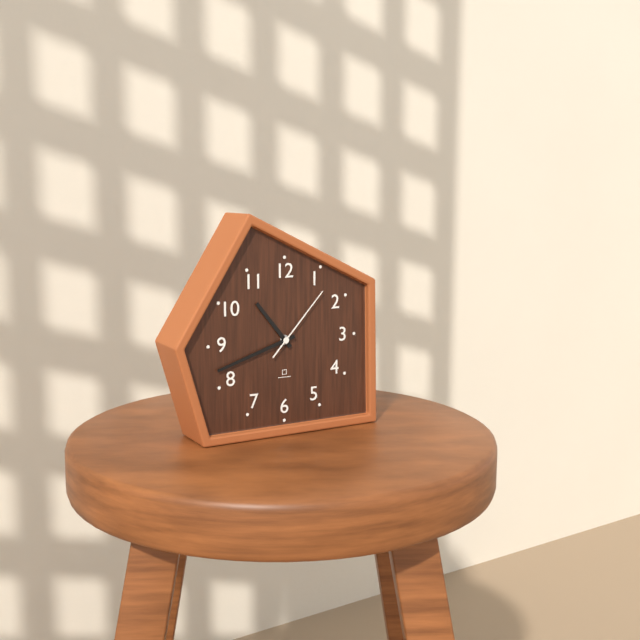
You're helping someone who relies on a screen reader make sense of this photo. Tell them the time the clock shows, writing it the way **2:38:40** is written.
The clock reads **10:42:07**
